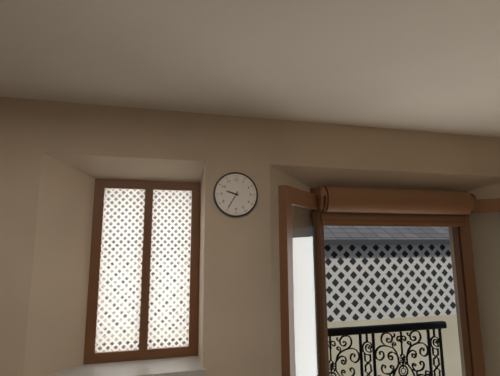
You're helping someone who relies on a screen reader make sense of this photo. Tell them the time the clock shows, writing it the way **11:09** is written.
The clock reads **9:35**
